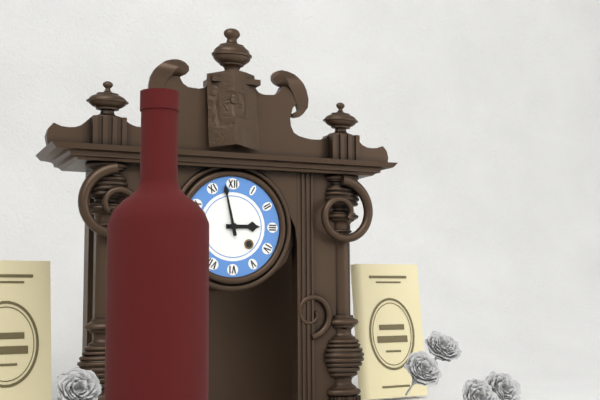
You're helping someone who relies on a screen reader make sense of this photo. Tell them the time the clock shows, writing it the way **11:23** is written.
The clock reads **2:58**
